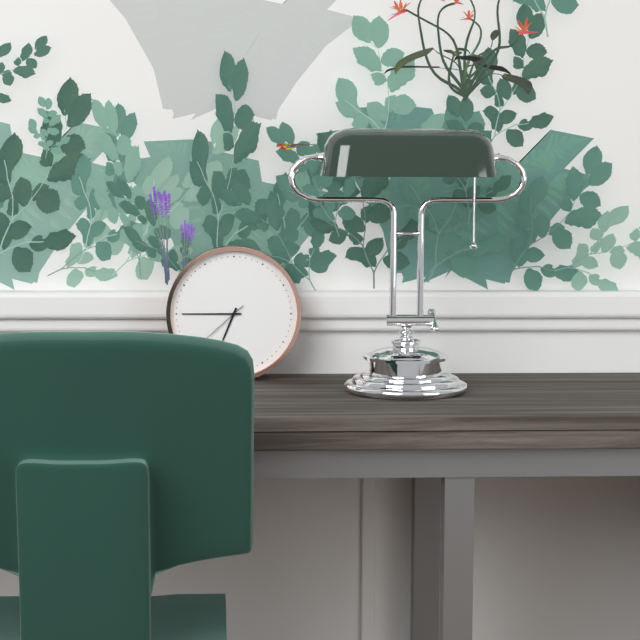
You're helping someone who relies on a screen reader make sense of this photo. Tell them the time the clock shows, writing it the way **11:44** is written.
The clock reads **6:45**
